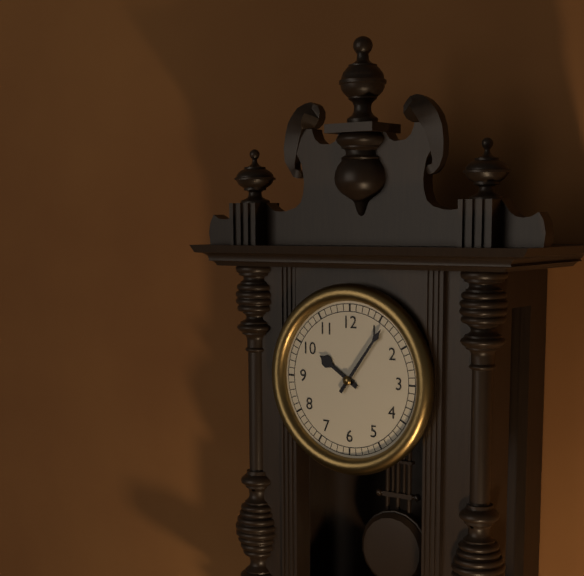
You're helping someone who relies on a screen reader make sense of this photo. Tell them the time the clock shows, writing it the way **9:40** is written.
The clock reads **10:06**
